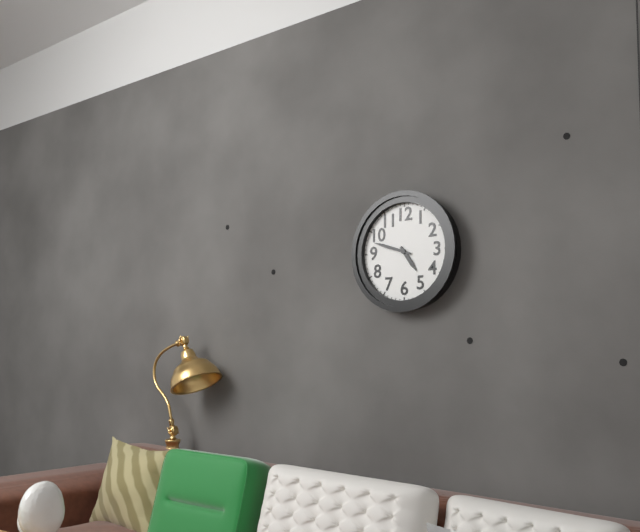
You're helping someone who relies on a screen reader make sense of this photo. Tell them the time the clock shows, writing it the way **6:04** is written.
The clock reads **4:48**
